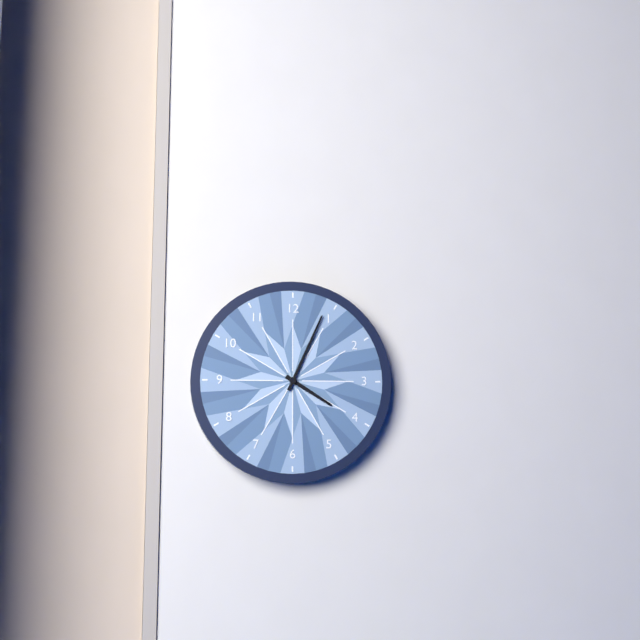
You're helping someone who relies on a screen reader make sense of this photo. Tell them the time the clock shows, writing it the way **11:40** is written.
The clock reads **4:04**
